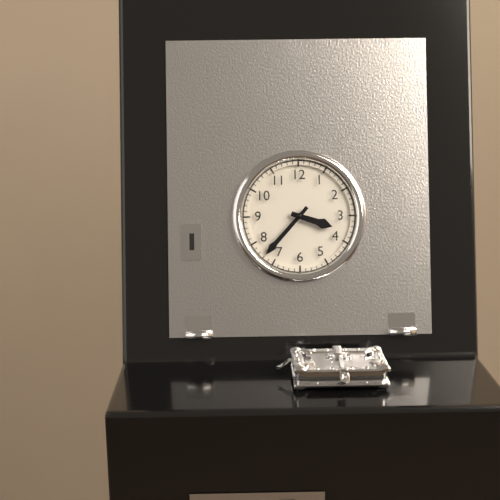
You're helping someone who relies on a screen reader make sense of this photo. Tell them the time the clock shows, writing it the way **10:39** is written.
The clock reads **3:37**
